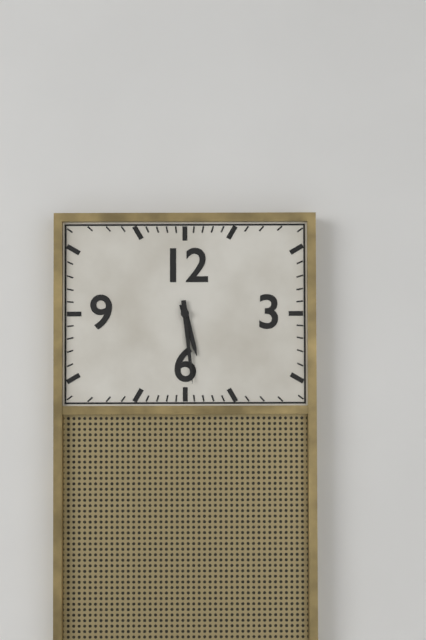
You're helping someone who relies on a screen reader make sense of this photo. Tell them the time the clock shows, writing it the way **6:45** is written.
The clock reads **5:29**
